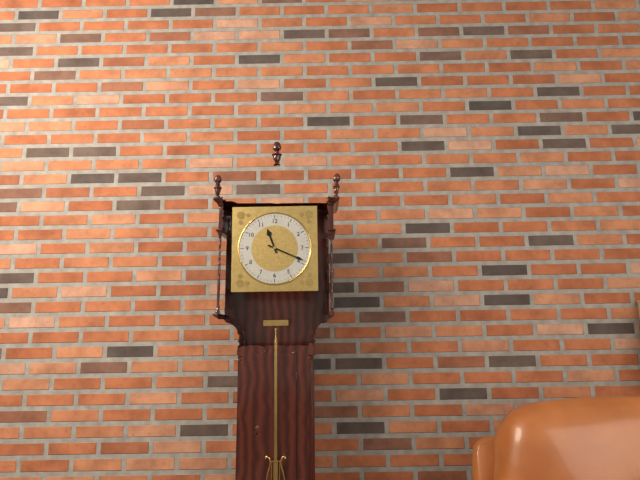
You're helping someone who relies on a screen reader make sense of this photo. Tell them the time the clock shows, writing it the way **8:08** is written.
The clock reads **11:19**
